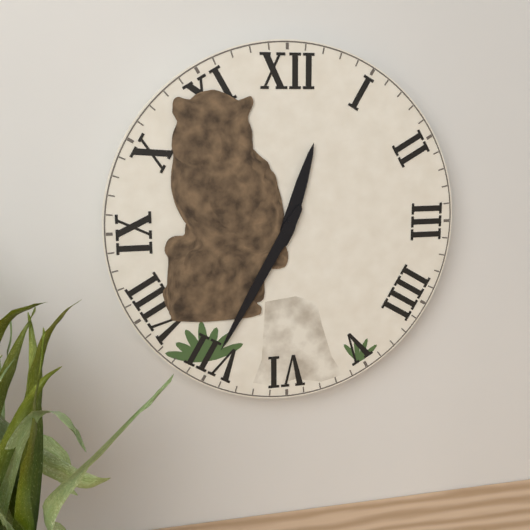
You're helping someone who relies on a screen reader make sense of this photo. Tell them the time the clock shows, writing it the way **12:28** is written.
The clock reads **12:35**
